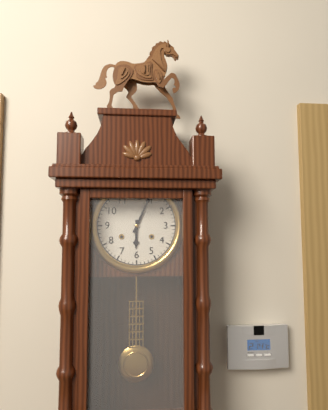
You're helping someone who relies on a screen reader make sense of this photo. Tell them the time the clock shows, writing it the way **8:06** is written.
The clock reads **6:04**
